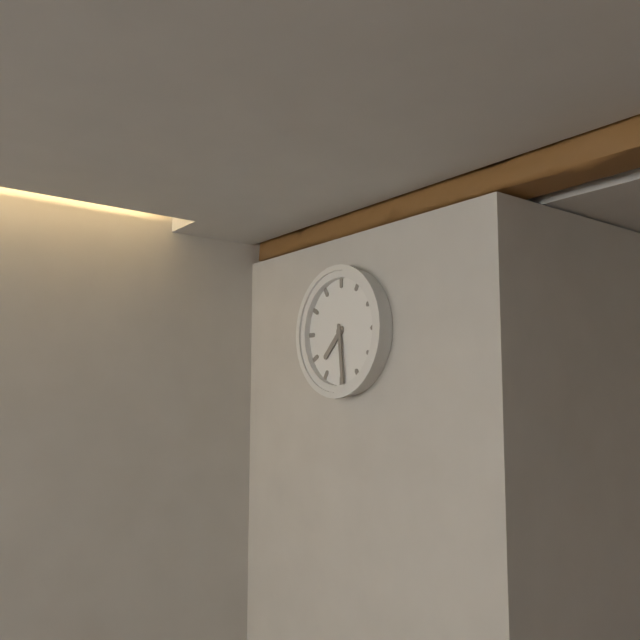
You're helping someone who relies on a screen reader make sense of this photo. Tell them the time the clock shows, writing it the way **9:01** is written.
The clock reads **7:29**
